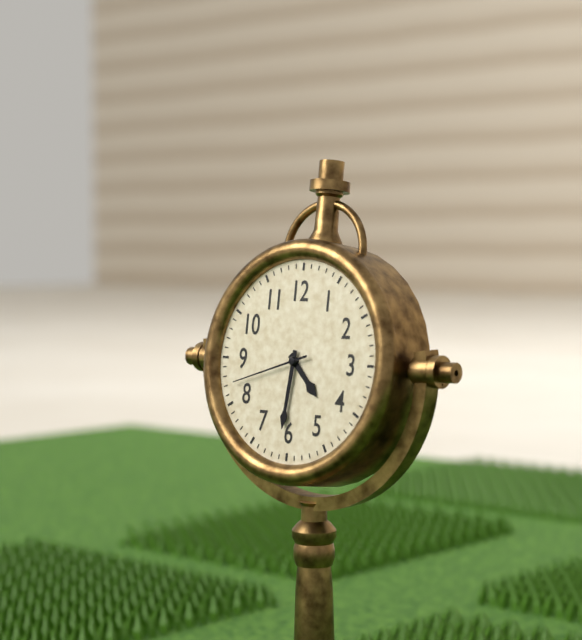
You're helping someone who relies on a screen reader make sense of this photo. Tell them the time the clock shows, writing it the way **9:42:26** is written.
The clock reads **4:31:42**
